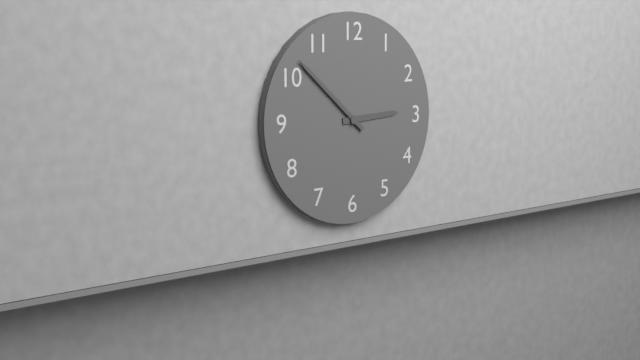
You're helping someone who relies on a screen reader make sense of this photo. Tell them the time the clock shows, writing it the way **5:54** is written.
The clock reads **2:52**
